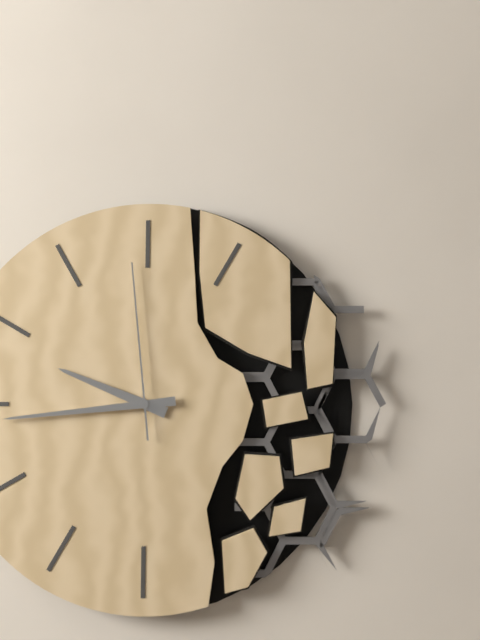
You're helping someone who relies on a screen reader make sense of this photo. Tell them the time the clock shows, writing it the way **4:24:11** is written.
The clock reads **9:44:59**
